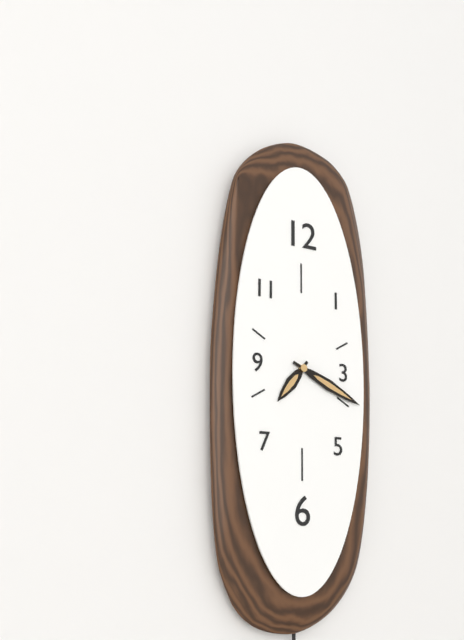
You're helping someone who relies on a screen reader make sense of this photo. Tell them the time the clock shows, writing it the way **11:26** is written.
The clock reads **7:19**
